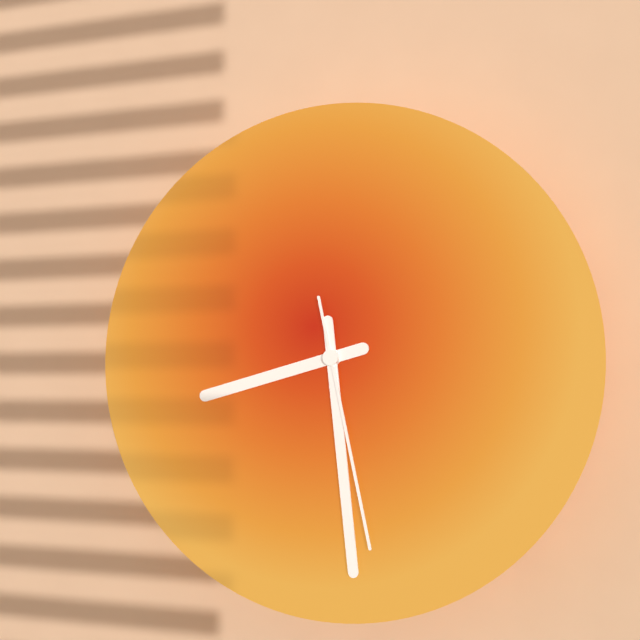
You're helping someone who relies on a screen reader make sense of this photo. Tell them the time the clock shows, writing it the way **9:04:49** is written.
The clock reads **8:29:28**
